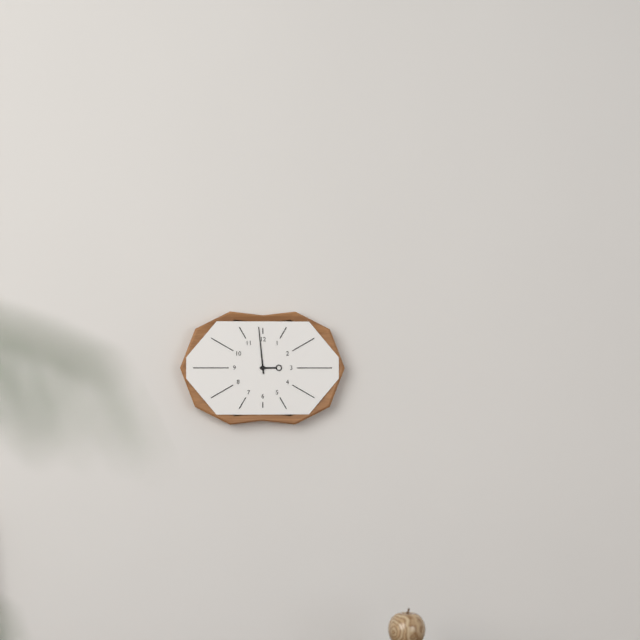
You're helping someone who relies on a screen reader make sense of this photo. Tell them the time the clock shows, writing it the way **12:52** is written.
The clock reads **2:59**
